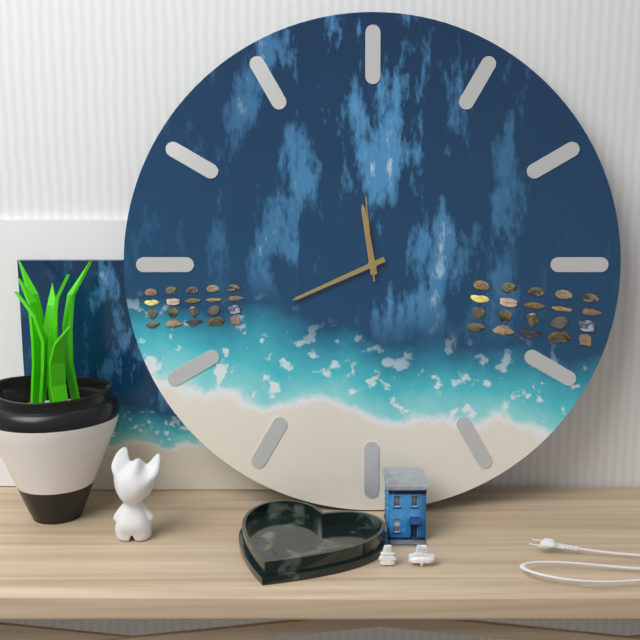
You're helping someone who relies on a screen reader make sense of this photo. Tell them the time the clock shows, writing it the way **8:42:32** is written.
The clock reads **11:41:59**
